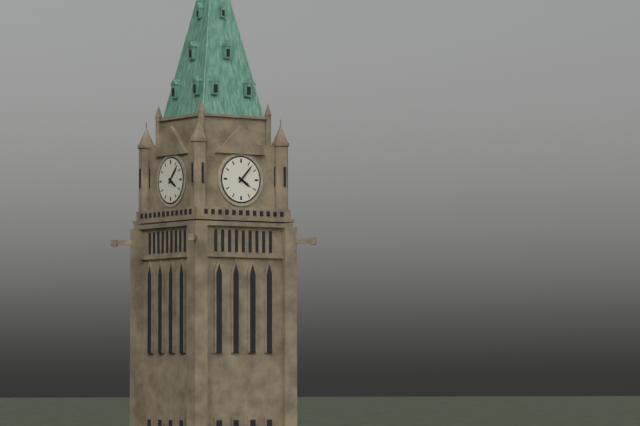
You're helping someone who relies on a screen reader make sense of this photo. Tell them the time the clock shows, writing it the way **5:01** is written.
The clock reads **4:07**
